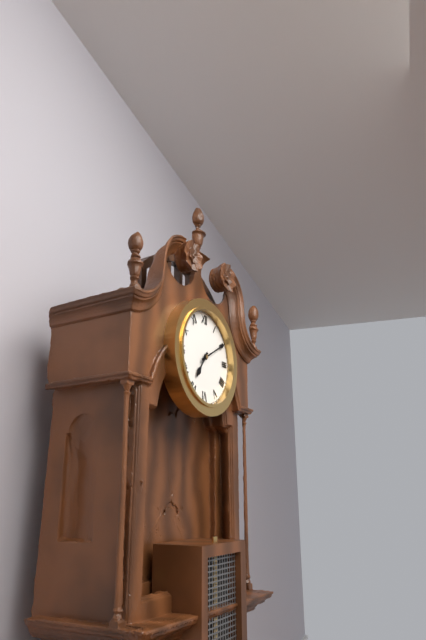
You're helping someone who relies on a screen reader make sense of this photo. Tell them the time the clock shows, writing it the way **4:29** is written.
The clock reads **7:10**
